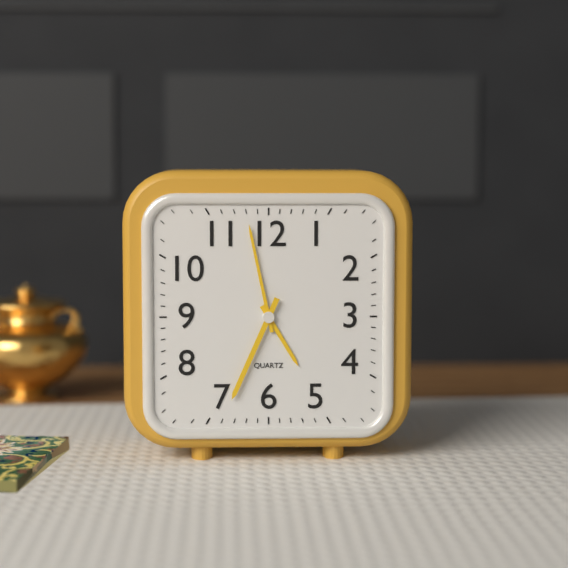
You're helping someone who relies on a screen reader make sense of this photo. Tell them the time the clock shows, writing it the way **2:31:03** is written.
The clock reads **4:58:34**
